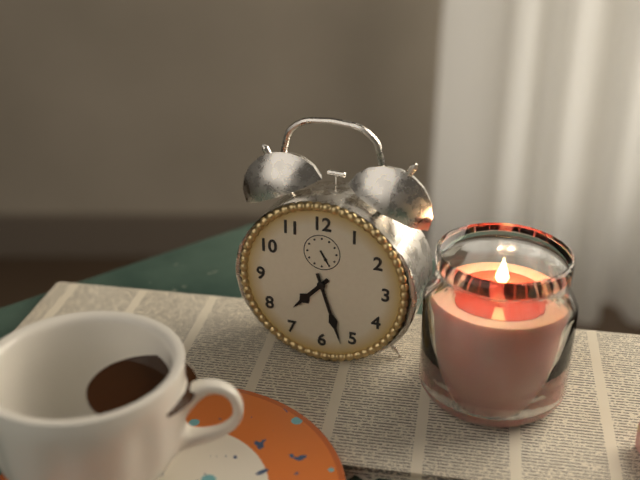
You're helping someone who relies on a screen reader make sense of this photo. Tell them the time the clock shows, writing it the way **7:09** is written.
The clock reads **7:27**
